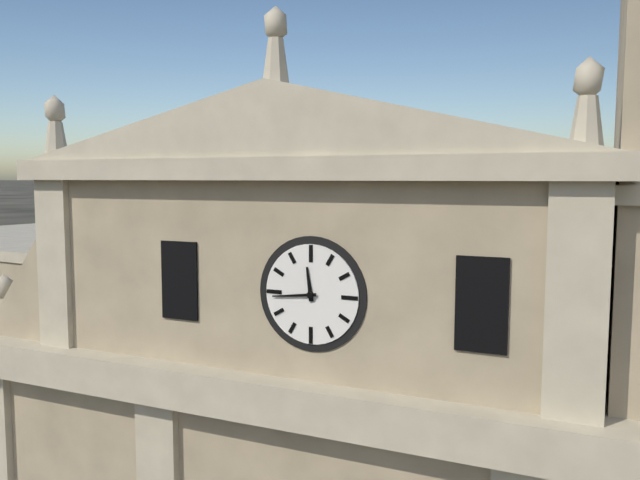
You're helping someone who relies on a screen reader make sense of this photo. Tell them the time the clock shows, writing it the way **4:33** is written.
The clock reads **11:44**
